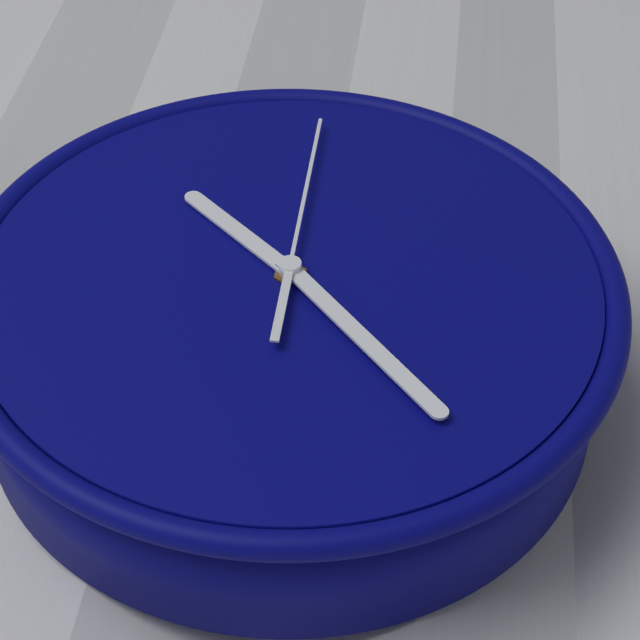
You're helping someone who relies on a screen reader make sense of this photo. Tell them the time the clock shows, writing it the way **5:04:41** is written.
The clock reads **10:23:00**
